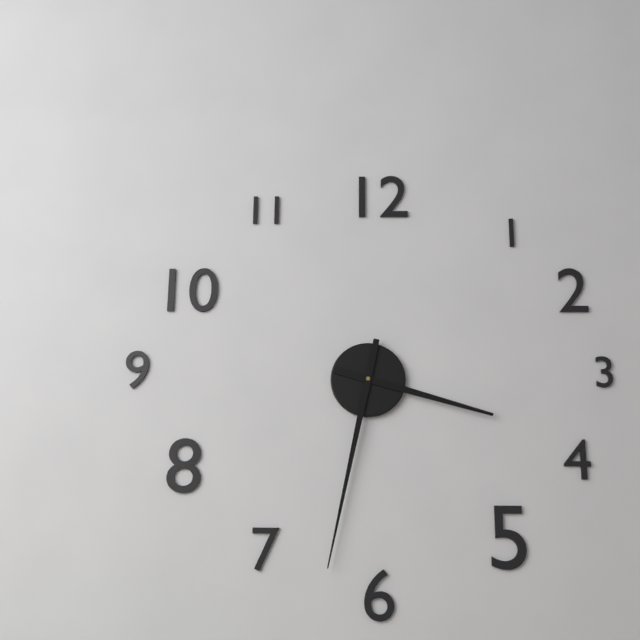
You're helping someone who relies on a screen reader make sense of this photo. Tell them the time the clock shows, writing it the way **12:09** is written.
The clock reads **3:32**
